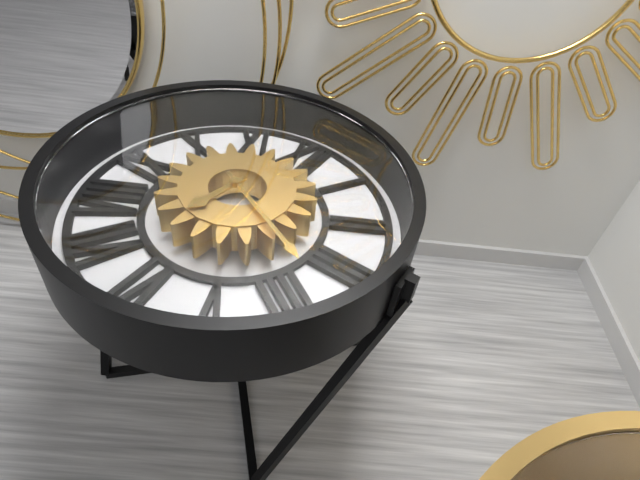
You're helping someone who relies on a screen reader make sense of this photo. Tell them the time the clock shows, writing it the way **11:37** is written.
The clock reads **6:19**
